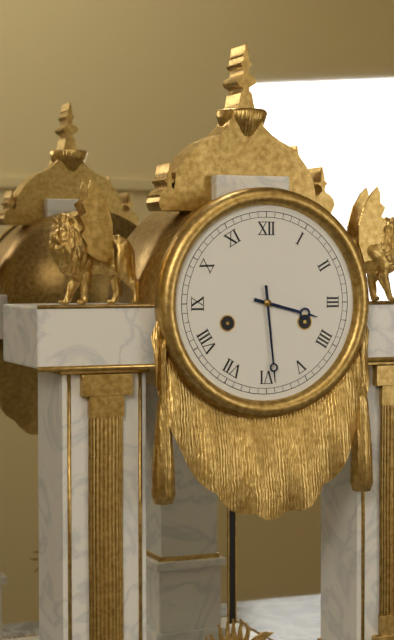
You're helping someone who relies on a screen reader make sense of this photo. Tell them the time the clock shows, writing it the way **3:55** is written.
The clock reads **3:29**
